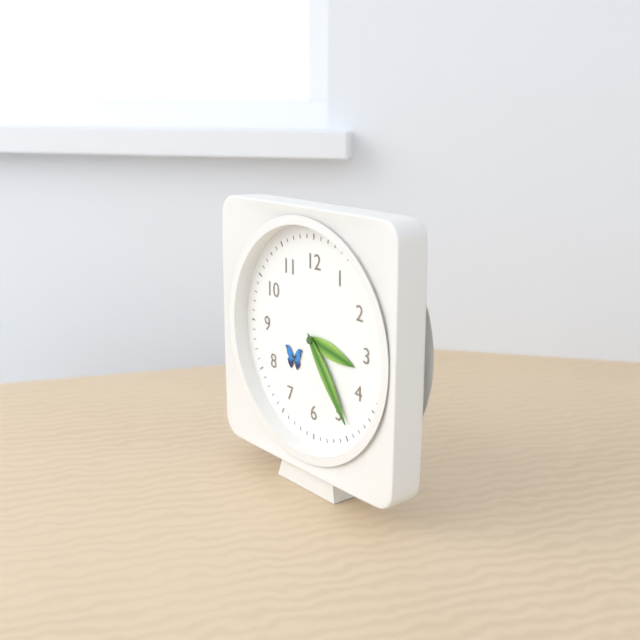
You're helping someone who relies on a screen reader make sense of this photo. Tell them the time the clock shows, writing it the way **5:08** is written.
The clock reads **3:24**
